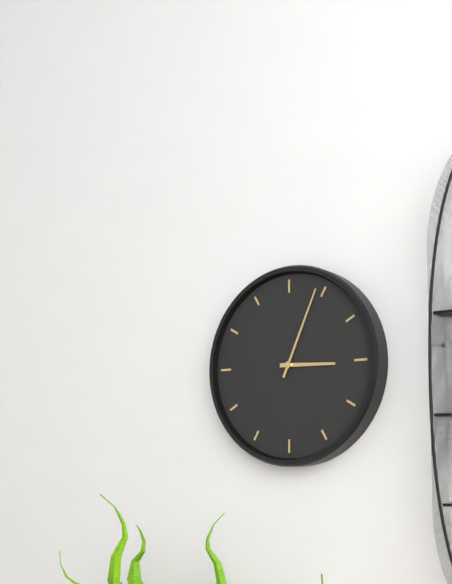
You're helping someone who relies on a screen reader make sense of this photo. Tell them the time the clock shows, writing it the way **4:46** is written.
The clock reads **3:04**
